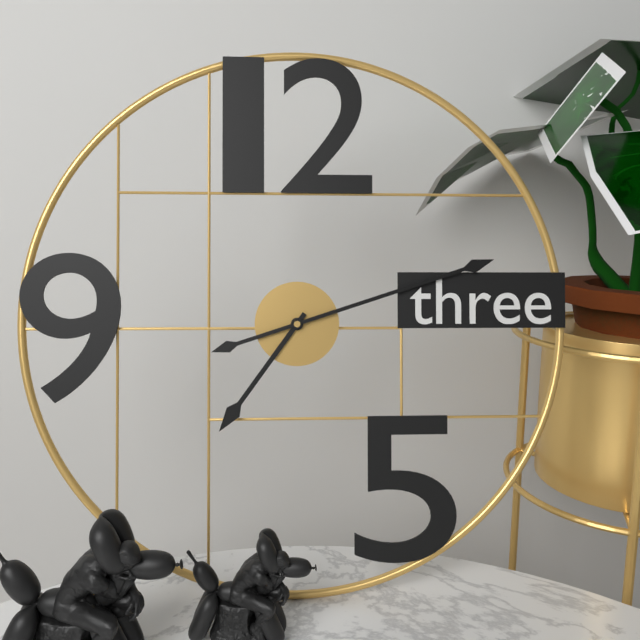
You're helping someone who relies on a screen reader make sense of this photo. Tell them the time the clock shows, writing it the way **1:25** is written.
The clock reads **7:12**
